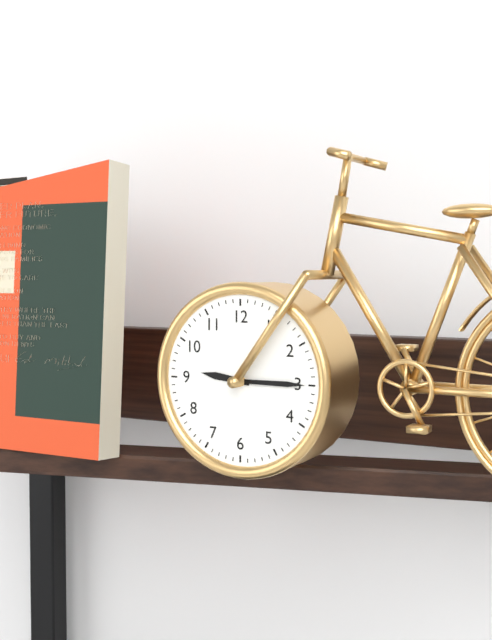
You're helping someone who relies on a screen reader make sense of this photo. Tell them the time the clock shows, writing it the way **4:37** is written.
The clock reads **9:15**
